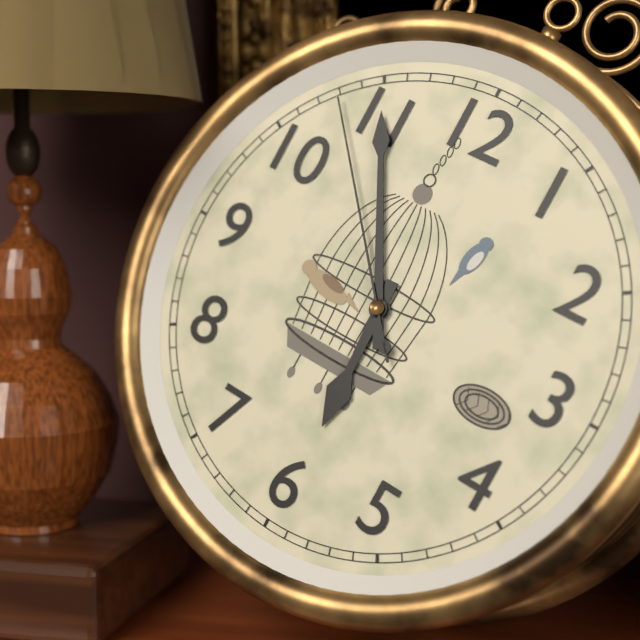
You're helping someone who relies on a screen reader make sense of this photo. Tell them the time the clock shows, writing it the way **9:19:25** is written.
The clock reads **5:55:53**
